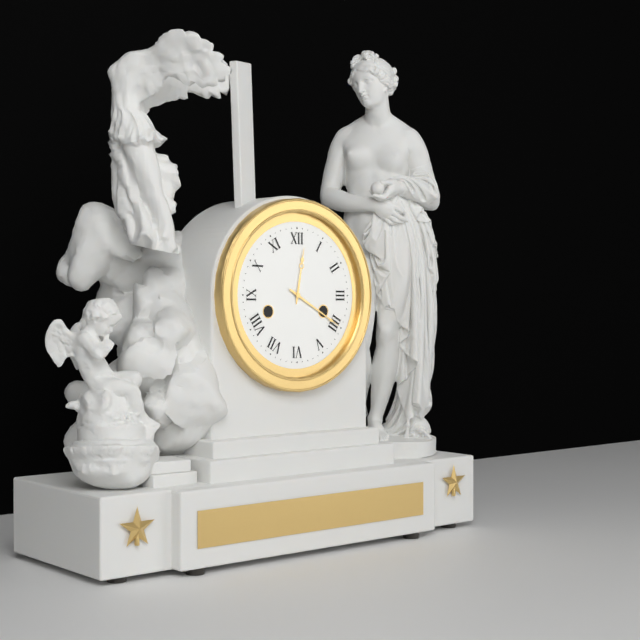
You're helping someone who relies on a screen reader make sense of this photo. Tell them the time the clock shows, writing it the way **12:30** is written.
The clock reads **12:20**
